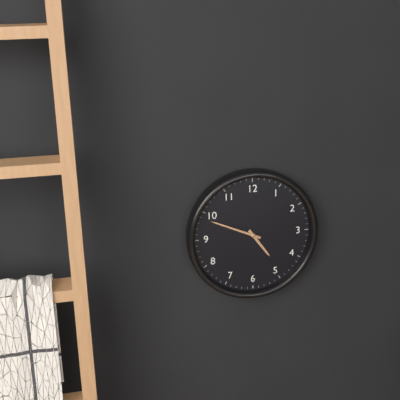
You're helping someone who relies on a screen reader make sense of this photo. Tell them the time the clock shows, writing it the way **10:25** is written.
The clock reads **4:49**
